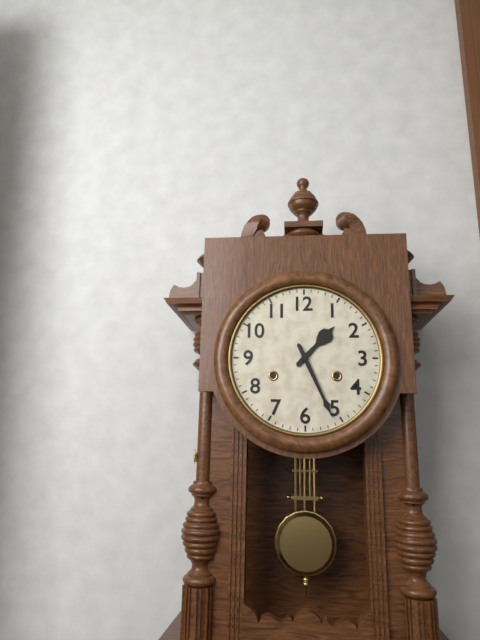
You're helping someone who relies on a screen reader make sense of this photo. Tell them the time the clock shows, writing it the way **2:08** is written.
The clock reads **1:26**
